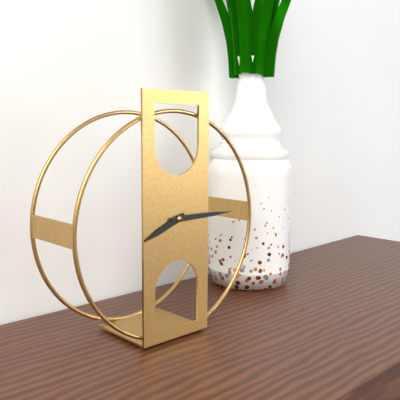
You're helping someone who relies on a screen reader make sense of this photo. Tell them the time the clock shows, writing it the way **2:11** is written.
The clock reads **8:15**
